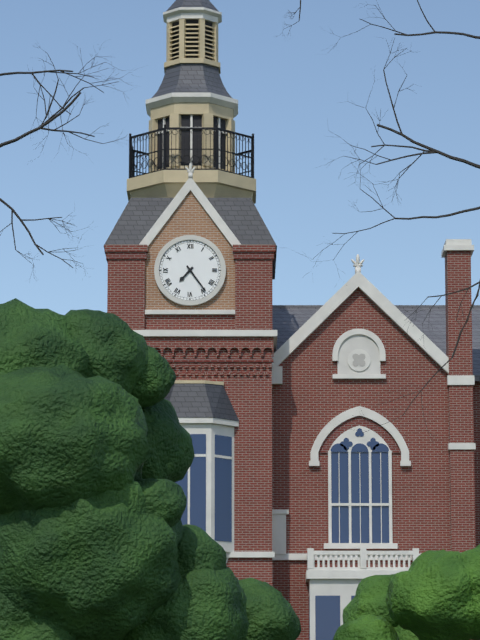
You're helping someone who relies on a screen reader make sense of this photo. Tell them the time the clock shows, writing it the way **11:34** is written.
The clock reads **7:24**
